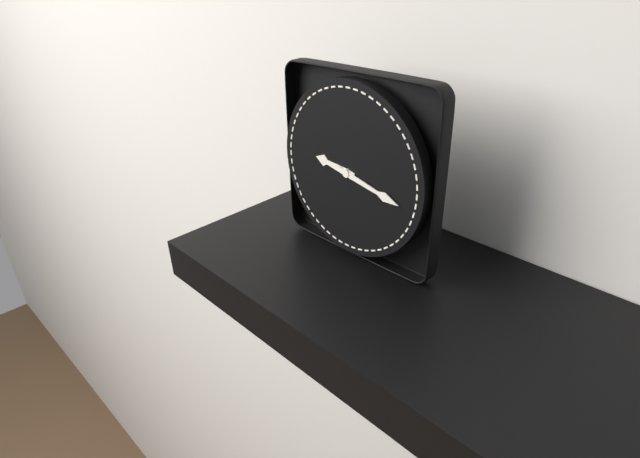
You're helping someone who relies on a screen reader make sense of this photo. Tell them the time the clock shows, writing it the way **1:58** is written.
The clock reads **9:17**
